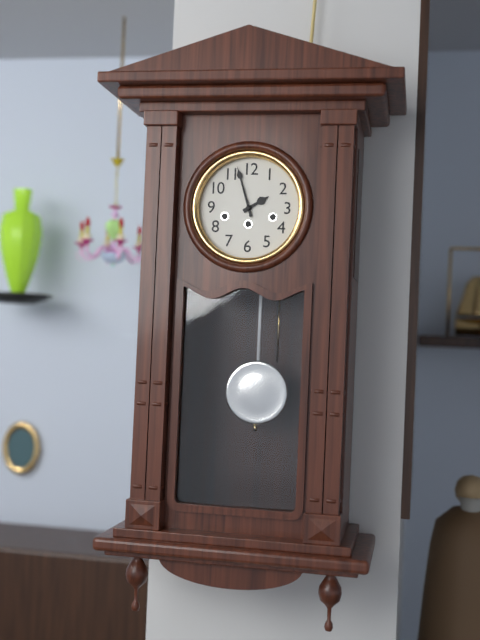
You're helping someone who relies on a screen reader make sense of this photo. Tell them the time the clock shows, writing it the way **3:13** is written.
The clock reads **1:57**
